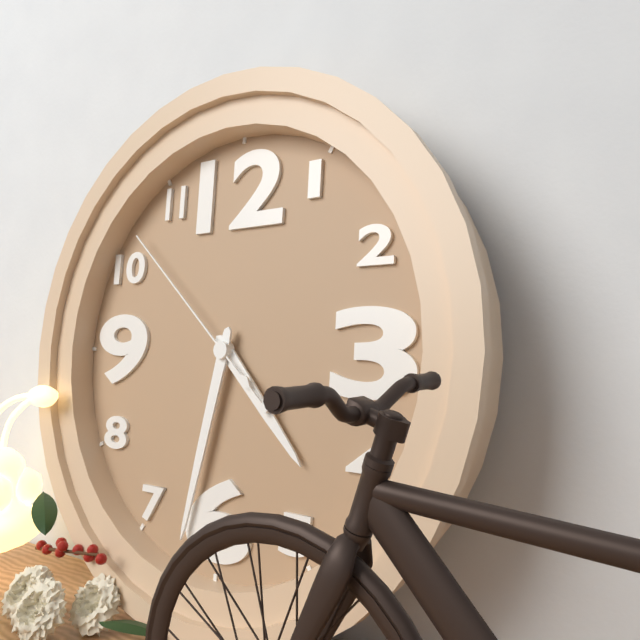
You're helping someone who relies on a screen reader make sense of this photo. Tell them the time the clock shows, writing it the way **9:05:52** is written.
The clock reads **4:32:52**
